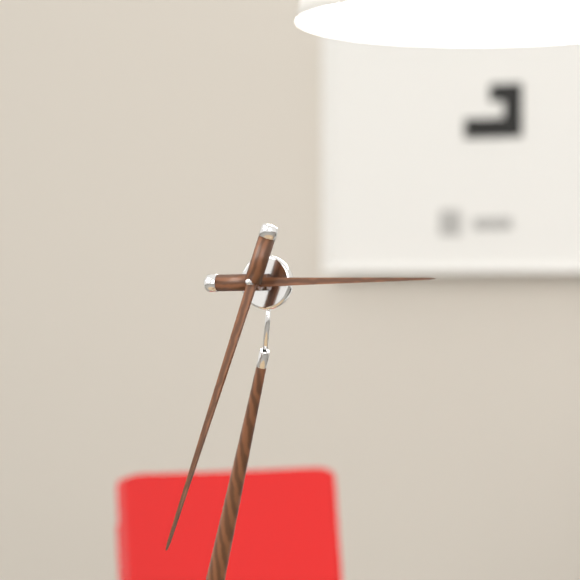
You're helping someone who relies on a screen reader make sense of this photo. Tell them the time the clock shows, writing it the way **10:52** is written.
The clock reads **2:31**
